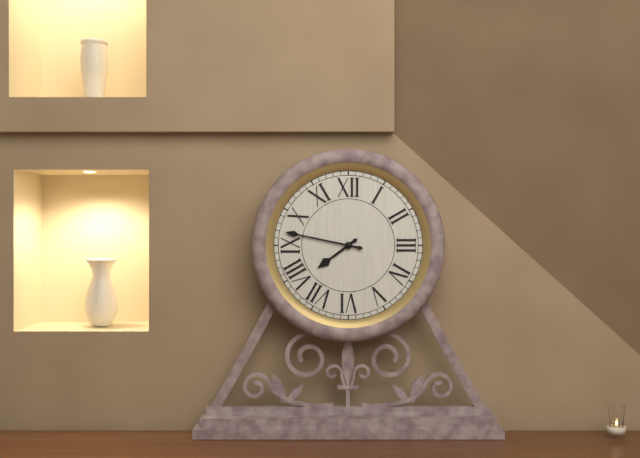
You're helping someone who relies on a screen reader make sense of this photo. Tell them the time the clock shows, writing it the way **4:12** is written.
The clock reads **7:47**
